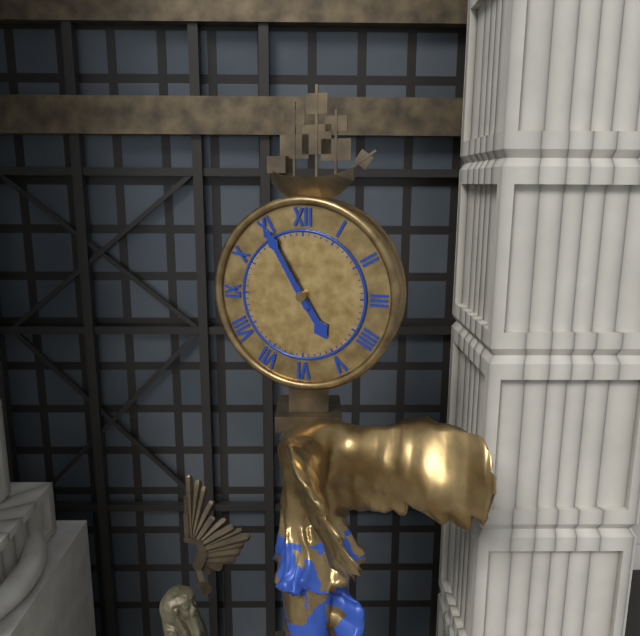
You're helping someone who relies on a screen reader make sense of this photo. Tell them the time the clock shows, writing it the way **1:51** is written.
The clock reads **4:55**
